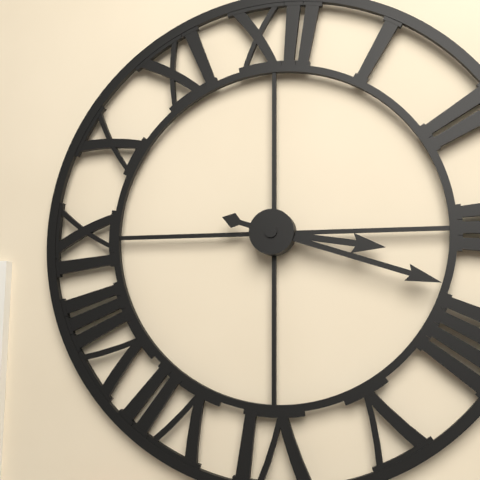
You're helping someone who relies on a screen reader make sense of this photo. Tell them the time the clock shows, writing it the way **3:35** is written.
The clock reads **3:18**
